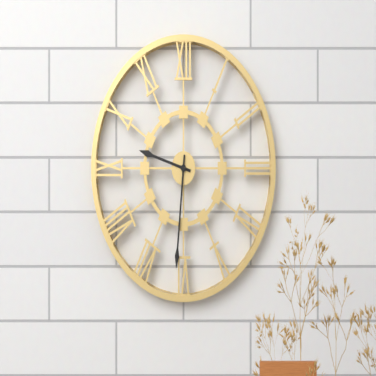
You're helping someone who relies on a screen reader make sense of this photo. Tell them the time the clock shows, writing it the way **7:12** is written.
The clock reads **9:31**
